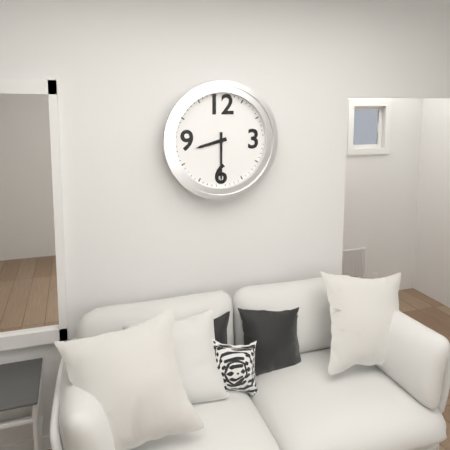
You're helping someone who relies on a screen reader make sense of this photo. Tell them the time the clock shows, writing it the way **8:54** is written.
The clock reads **8:30**
